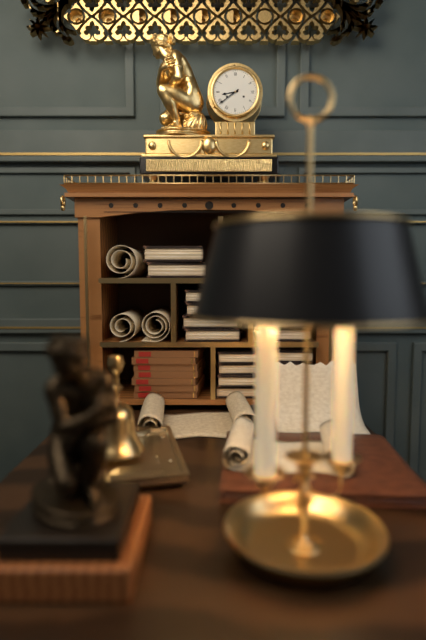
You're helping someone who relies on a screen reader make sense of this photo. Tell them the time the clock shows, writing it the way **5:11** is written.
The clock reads **8:39**
